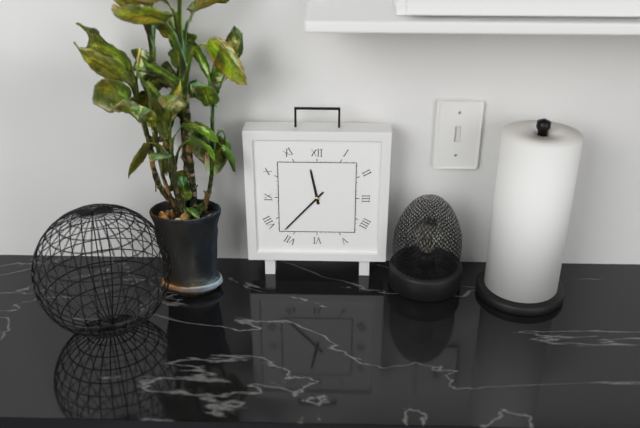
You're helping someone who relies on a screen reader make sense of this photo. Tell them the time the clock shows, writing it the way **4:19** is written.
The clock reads **11:37**
